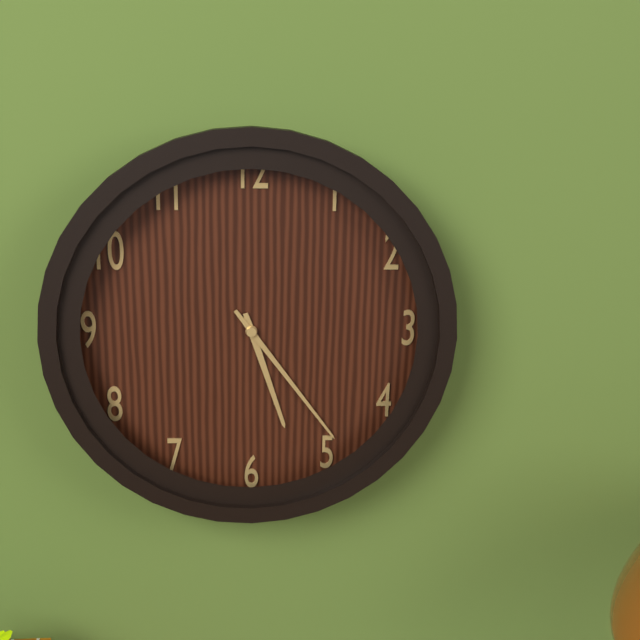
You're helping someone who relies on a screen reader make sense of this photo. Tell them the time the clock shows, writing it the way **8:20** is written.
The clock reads **5:24**
